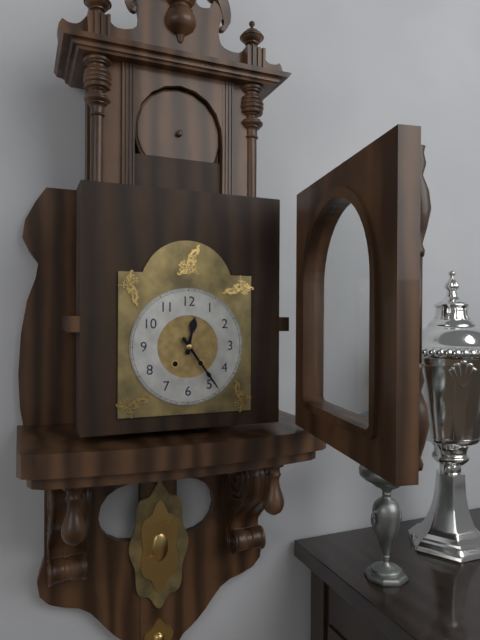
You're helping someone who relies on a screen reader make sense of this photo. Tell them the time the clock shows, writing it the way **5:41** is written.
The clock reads **12:24**
